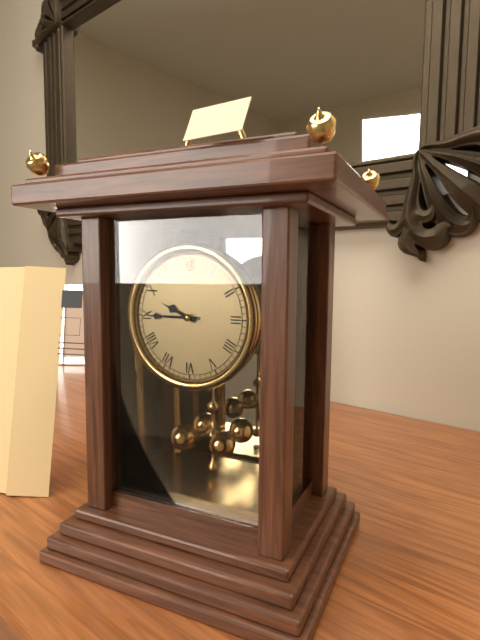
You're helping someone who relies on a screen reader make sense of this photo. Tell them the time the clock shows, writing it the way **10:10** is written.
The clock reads **9:45**
